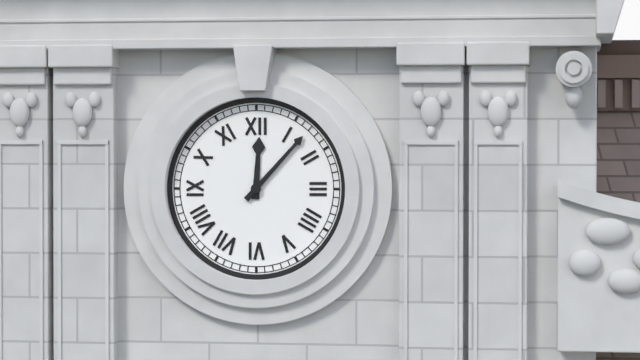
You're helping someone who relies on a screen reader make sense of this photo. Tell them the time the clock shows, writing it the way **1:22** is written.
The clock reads **12:07**
